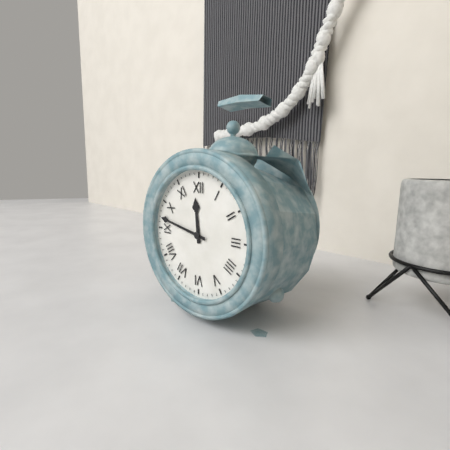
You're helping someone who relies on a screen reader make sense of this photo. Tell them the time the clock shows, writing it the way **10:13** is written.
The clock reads **11:47**
